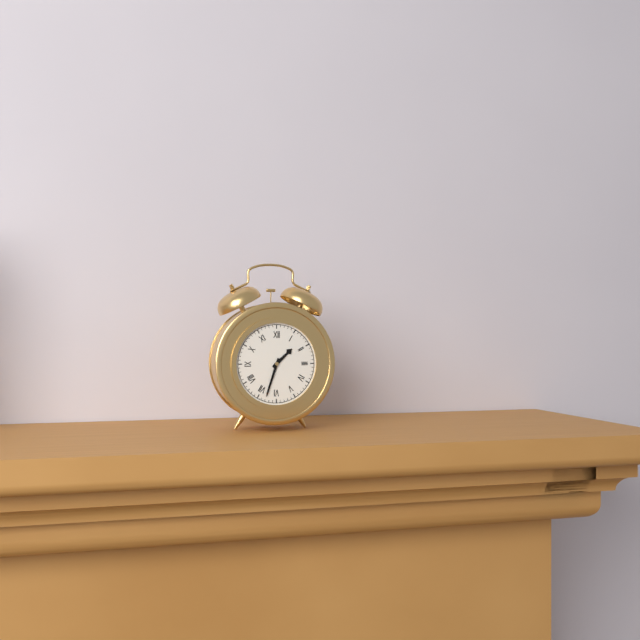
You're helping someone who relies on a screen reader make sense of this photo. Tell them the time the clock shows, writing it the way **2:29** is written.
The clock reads **1:33**
